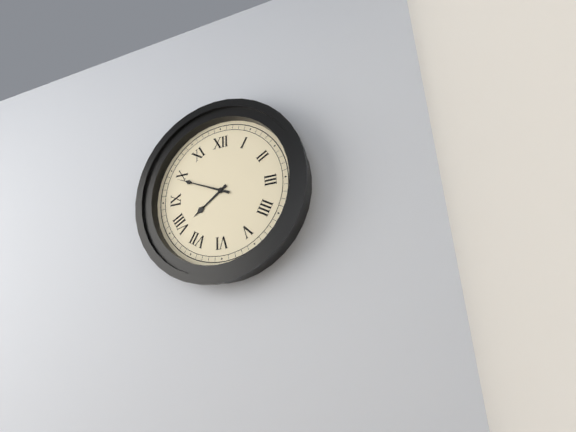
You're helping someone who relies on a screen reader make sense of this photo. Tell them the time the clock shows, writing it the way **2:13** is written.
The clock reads **7:49**
